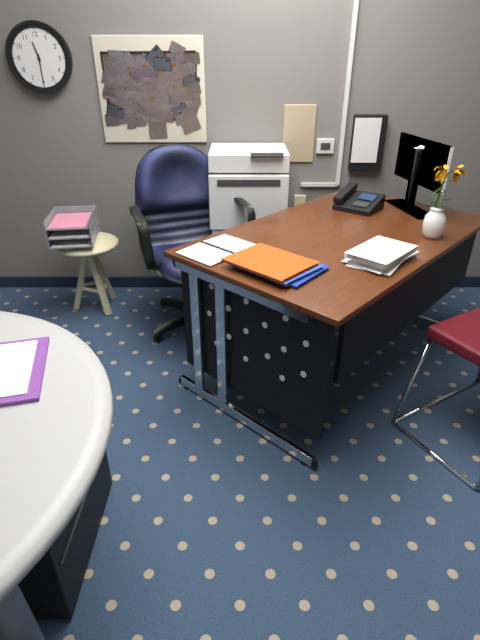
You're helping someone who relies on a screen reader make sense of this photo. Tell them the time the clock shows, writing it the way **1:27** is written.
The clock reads **11:30**
